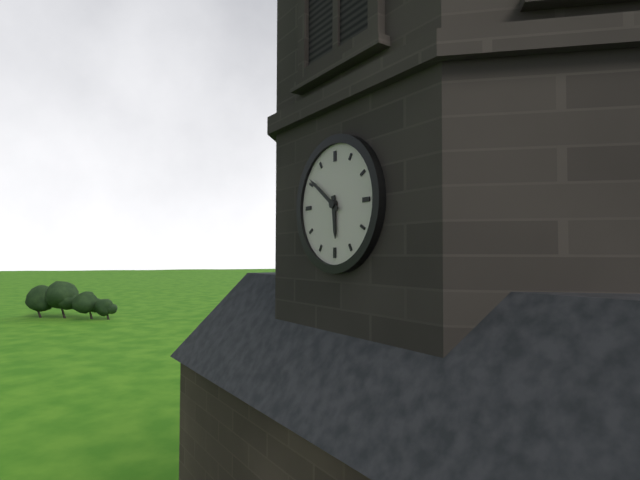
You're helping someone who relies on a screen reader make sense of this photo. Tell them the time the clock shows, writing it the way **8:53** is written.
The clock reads **5:51**
